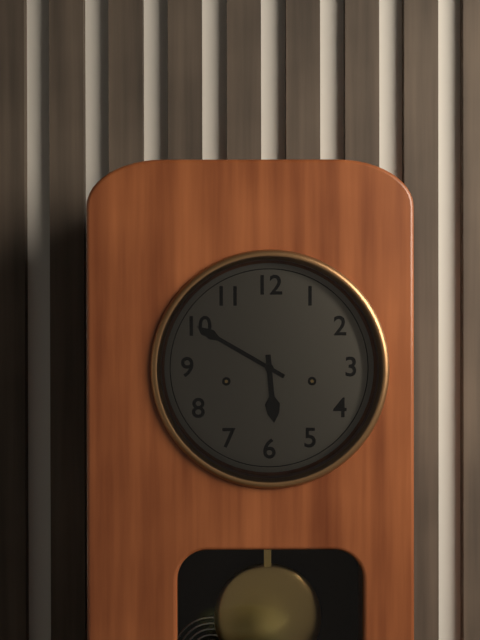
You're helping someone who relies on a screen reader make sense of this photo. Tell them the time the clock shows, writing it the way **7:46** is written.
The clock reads **5:50**
